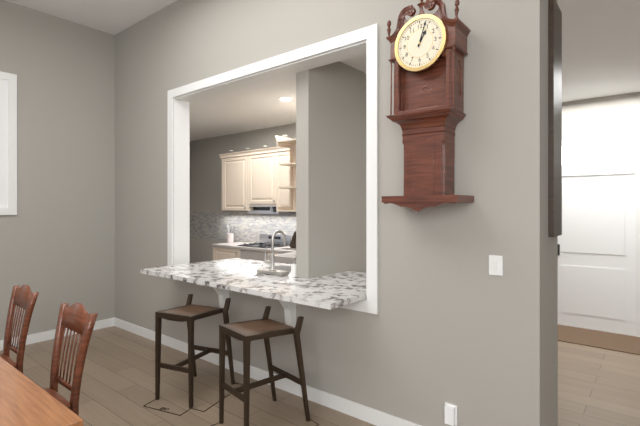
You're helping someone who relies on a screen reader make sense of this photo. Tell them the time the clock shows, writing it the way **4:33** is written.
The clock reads **1:03**
